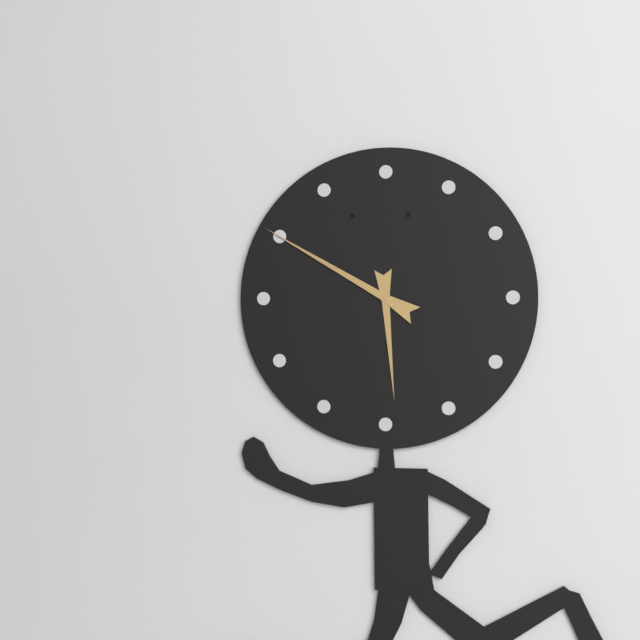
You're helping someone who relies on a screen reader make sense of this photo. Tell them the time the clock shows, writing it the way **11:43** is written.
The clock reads **5:50**
